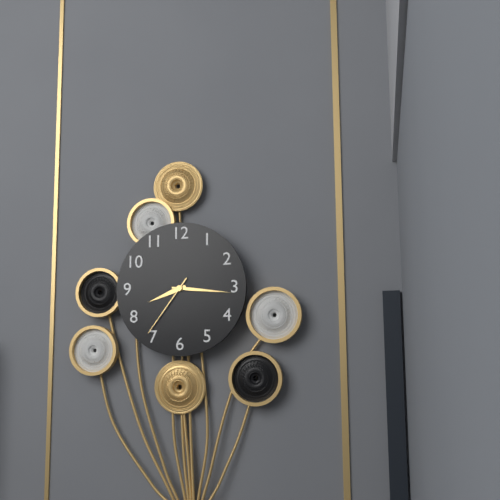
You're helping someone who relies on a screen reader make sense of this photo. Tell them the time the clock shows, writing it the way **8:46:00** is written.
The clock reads **8:16:36**
